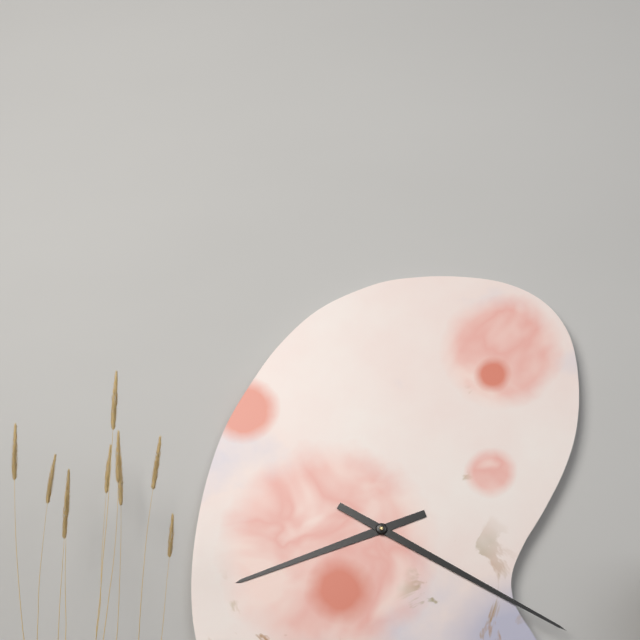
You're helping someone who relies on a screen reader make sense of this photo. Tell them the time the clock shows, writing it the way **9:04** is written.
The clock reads **8:20**
